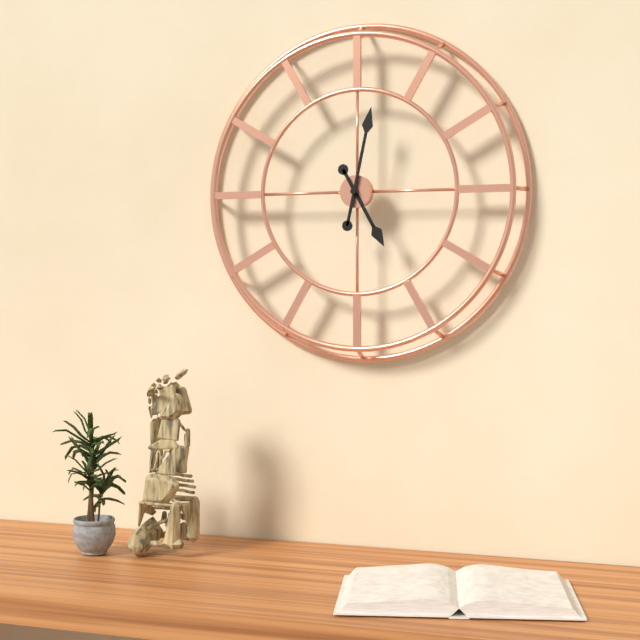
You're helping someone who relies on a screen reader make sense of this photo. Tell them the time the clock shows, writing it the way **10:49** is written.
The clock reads **5:02**
